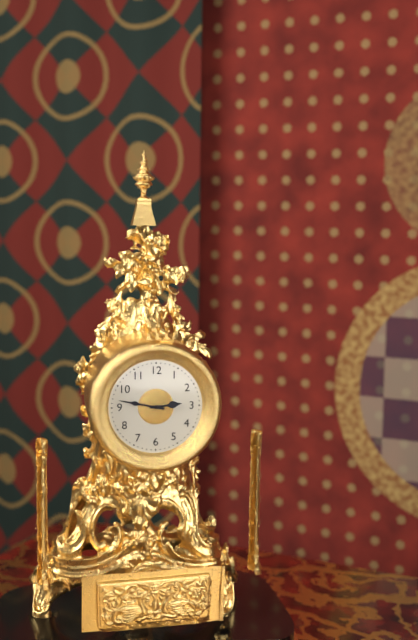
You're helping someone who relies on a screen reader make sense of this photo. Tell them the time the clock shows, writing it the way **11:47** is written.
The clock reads **2:47**
